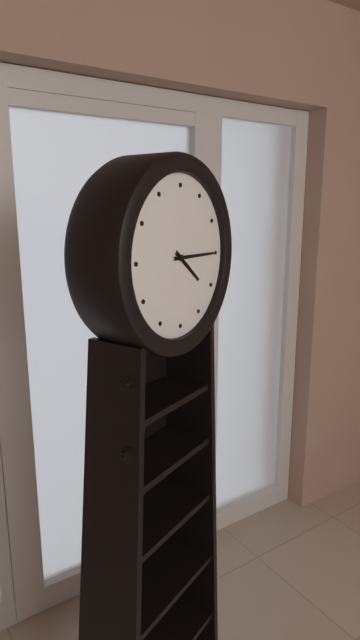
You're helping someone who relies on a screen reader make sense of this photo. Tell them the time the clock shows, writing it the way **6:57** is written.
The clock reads **4:15**
